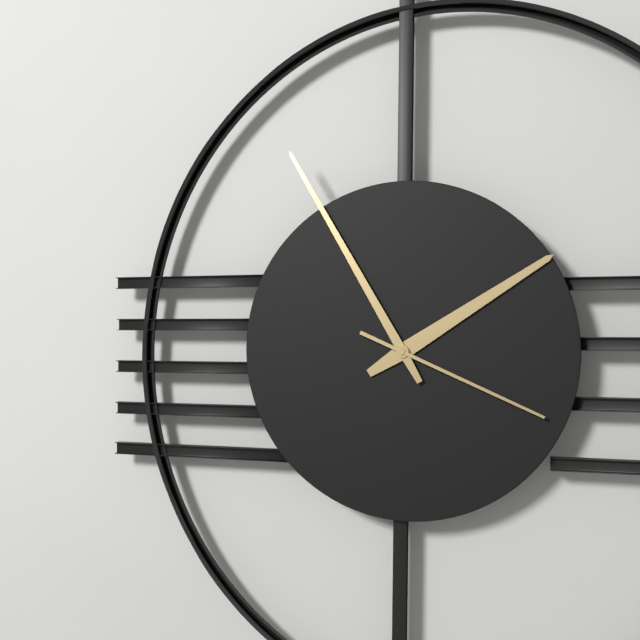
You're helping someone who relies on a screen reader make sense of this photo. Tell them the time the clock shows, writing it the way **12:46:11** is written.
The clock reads **1:55:19**
